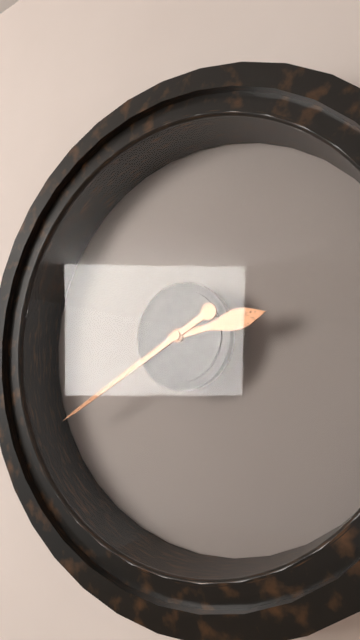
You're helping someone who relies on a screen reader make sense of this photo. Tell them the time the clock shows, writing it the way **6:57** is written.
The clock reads **2:40**
